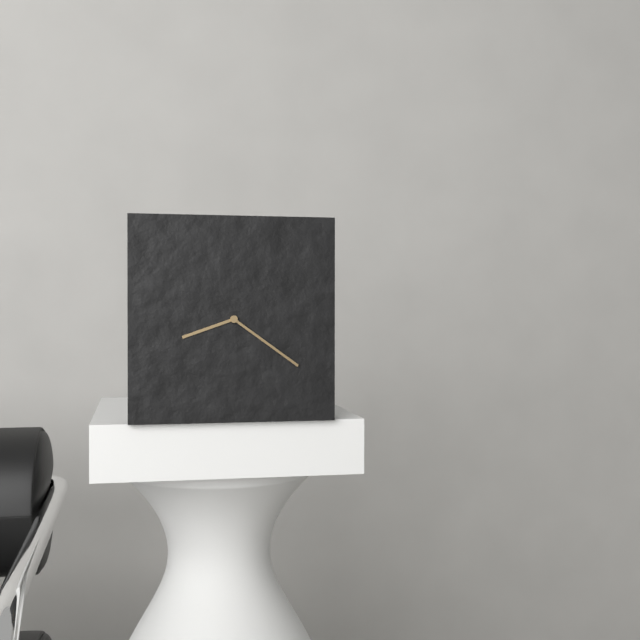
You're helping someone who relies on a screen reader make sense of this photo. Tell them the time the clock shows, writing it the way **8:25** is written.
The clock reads **8:21**
